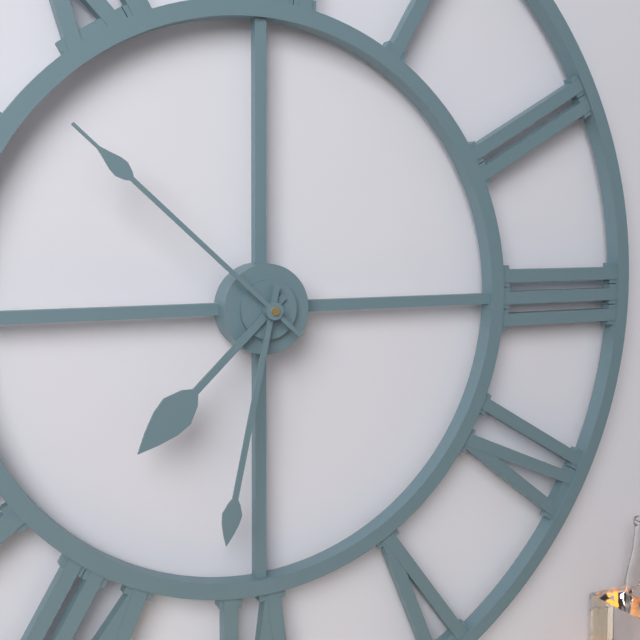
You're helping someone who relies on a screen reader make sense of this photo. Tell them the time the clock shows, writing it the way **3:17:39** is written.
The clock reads **7:32:52**
